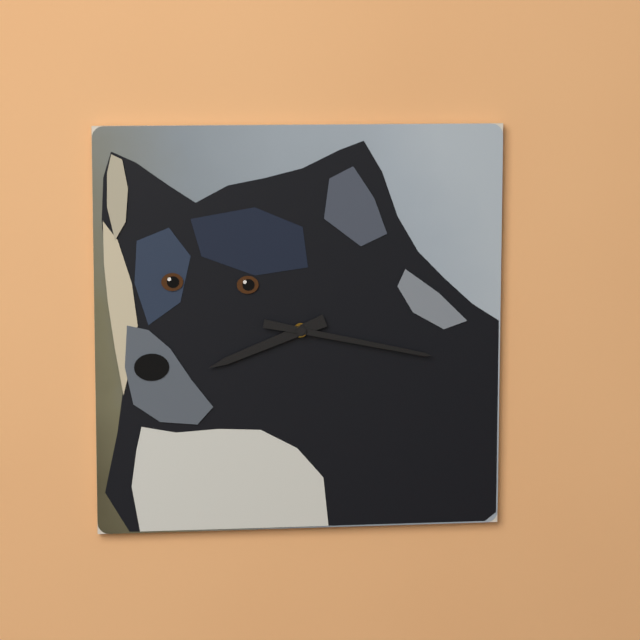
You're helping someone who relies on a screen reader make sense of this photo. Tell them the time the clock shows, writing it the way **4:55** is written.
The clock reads **8:17**
